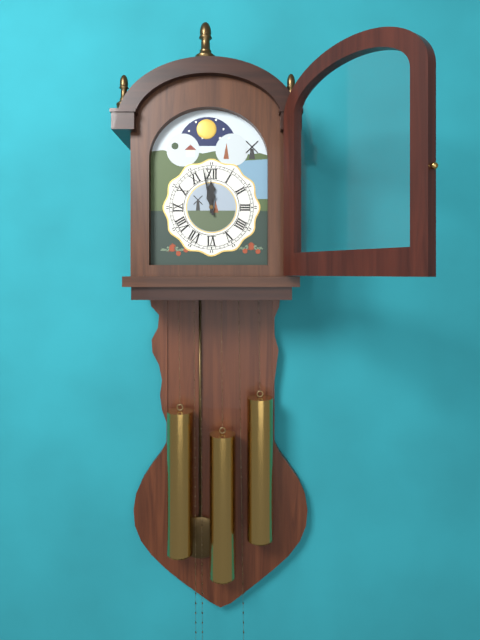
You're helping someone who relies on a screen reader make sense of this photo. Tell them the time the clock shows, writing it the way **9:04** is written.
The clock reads **11:58**
